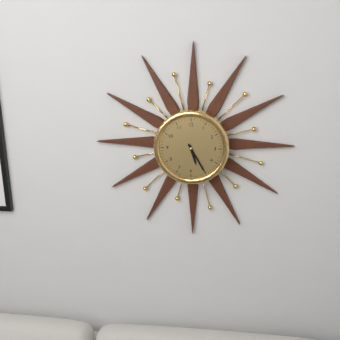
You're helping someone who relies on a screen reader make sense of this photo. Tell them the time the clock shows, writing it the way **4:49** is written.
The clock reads **5:25**
